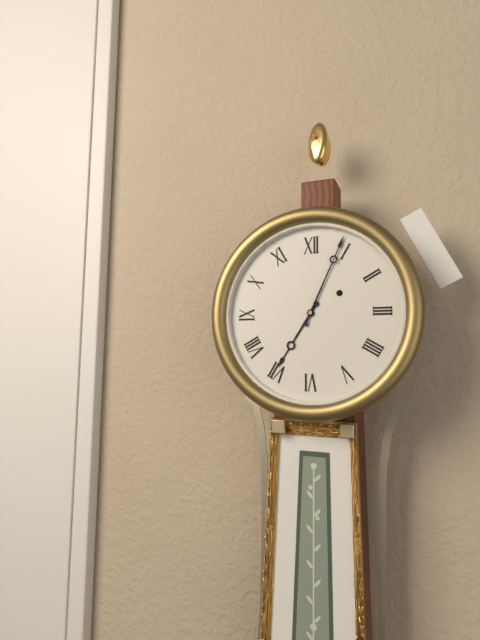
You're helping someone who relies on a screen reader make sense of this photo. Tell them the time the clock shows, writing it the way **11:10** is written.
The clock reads **7:04**
